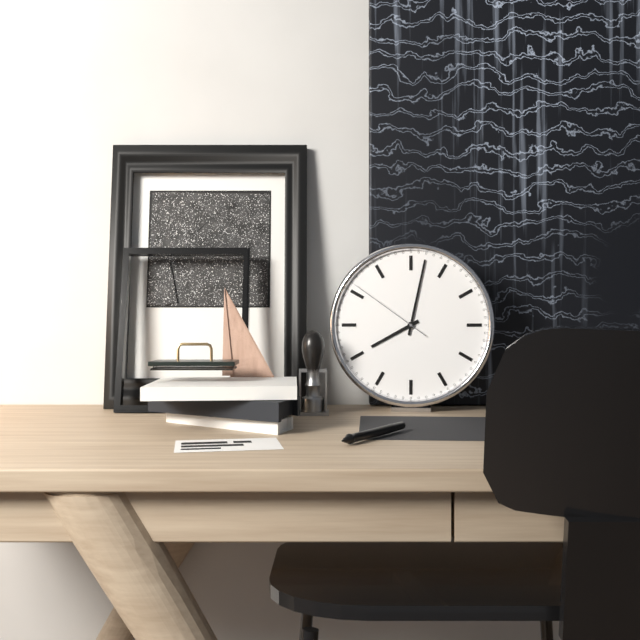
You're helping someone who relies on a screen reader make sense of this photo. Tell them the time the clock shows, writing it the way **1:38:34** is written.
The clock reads **8:02:51**
